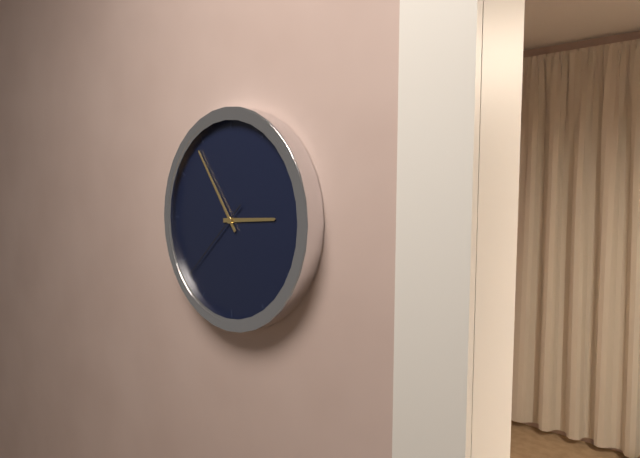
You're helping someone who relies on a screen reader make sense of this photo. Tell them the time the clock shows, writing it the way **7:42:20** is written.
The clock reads **2:54:38**
